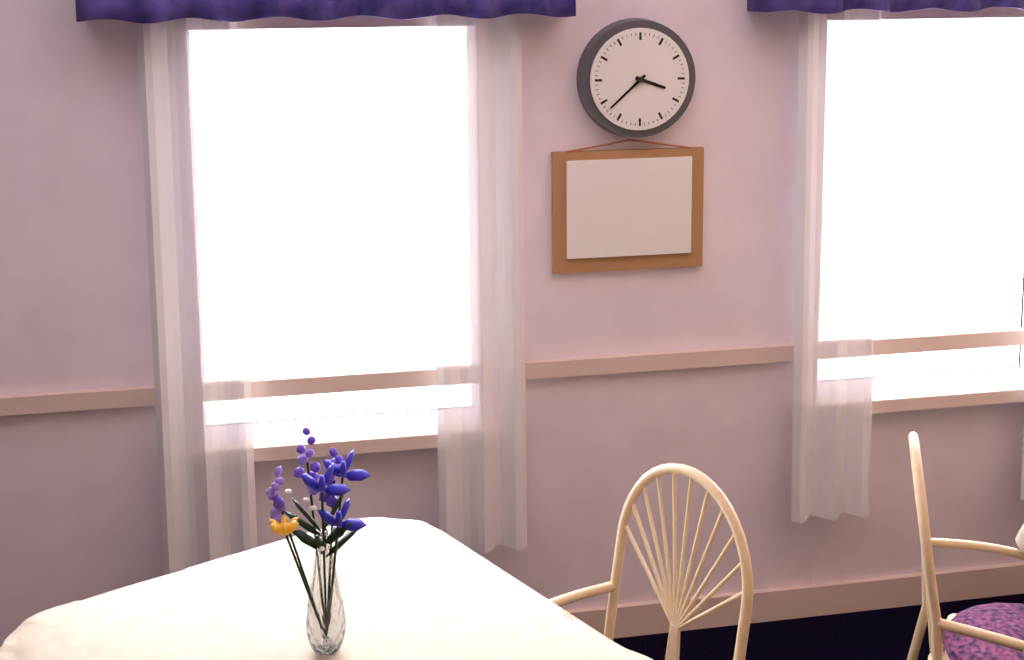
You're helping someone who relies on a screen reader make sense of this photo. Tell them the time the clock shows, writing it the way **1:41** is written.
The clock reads **3:38**
